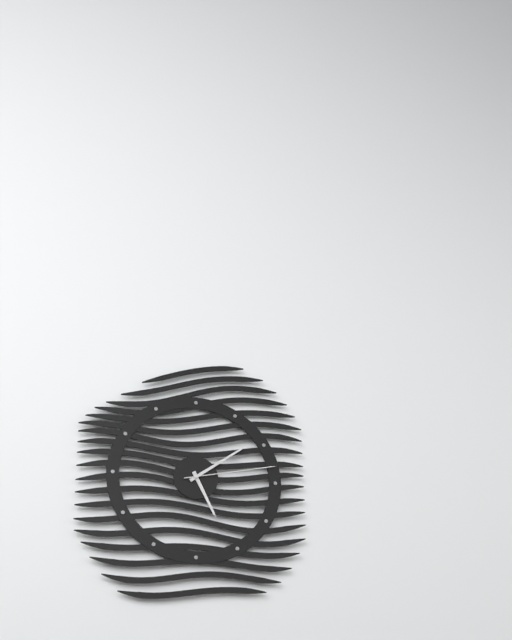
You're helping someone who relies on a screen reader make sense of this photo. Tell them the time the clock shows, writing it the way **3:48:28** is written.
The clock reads **5:09:13**
